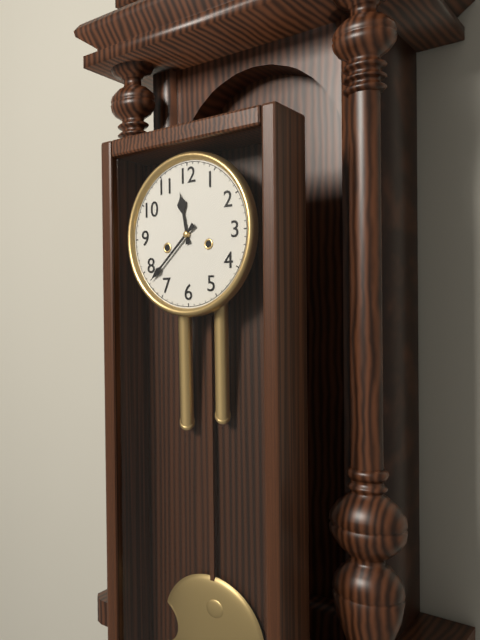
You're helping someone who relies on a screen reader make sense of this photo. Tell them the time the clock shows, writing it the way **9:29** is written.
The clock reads **11:38**
